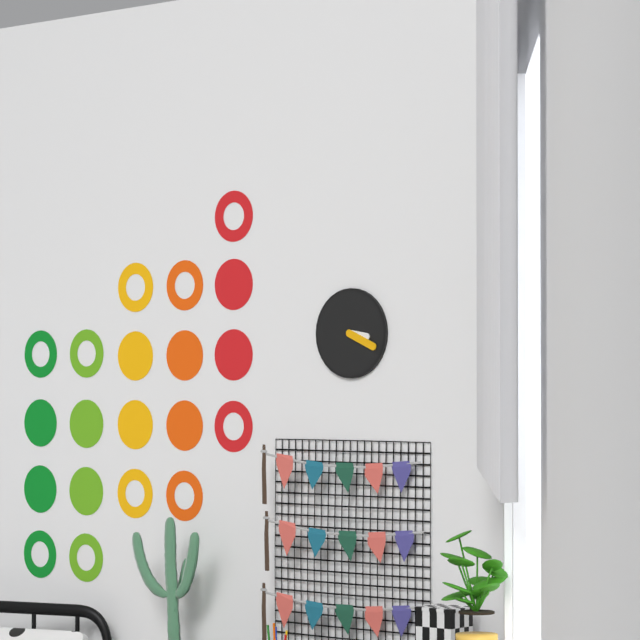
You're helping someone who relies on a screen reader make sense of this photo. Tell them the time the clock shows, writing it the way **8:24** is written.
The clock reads **3:19**
